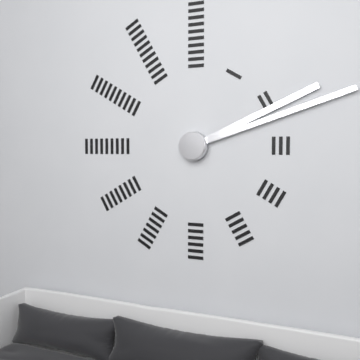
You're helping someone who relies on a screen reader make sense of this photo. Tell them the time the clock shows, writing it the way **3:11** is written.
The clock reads **2:12**
